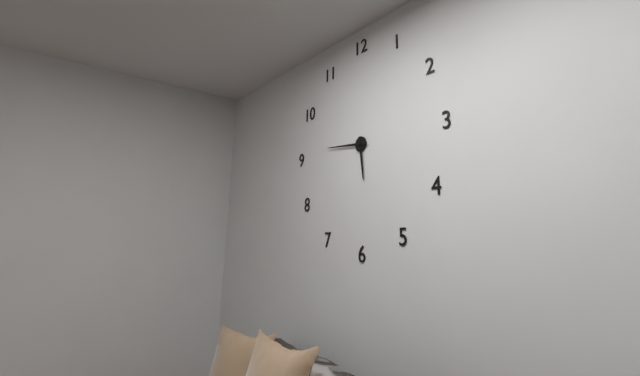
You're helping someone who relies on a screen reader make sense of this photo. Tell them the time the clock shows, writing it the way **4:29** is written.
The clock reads **5:46**
